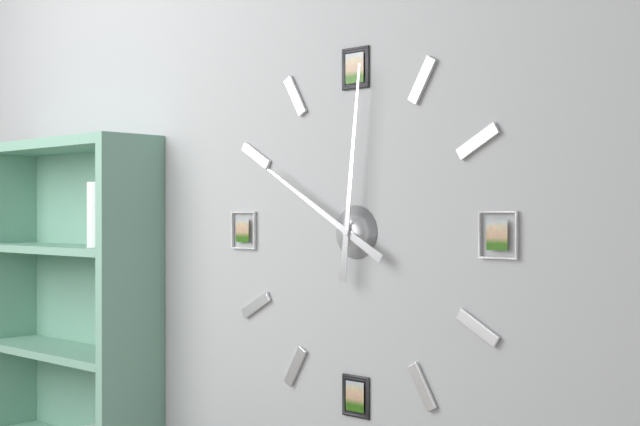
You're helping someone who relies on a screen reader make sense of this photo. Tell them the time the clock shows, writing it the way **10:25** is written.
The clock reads **10:01**
